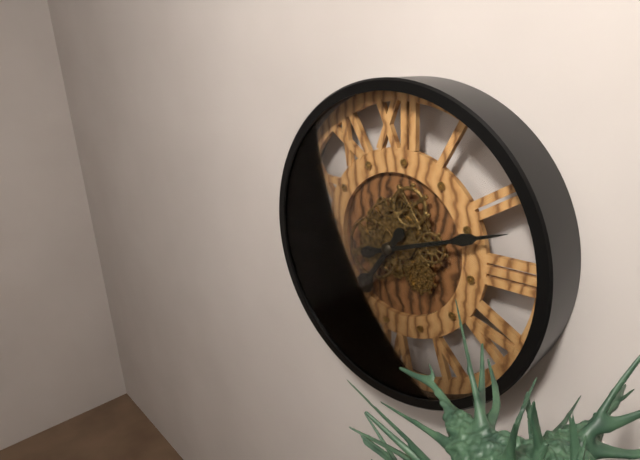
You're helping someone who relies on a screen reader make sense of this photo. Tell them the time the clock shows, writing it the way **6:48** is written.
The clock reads **7:12**
